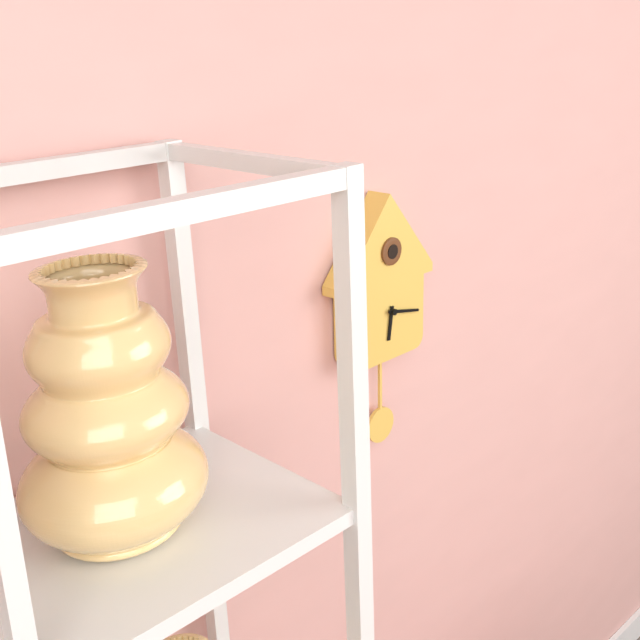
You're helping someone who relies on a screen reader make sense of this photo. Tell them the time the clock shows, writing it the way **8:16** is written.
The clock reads **6:17**
